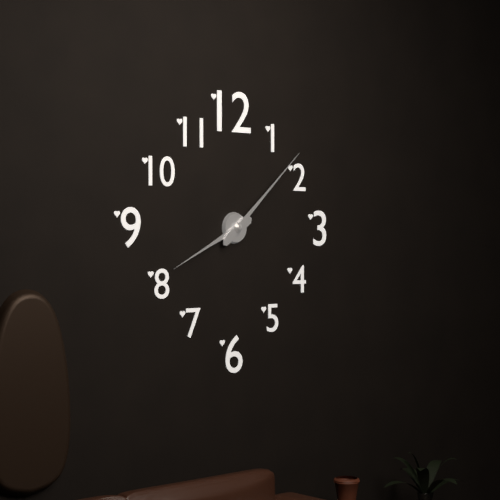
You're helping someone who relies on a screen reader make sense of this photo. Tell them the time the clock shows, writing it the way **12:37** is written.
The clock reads **8:08**
